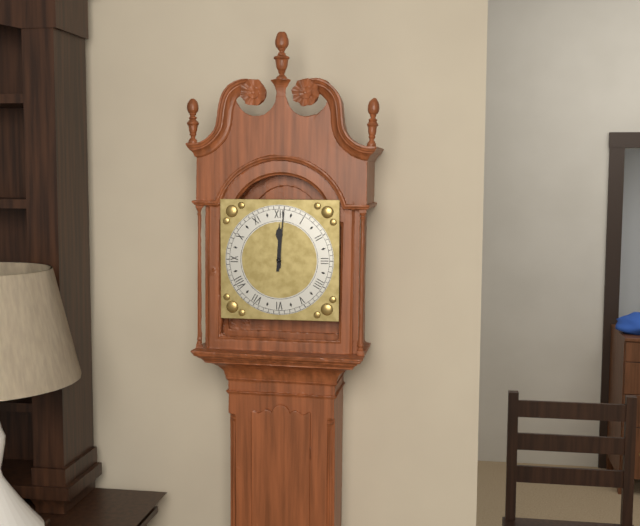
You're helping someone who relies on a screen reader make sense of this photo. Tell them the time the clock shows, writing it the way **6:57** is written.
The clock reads **12:01**
